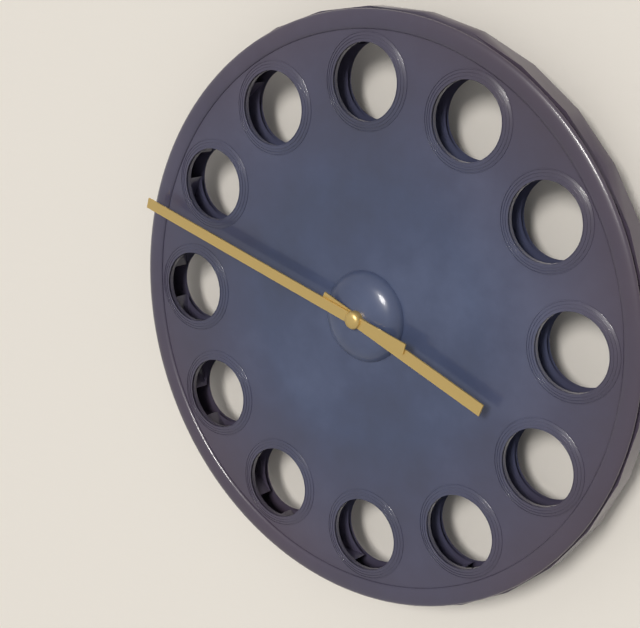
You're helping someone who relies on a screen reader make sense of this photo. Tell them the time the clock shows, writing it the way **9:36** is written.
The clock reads **3:48**
